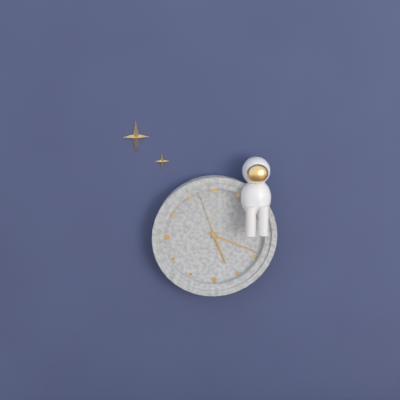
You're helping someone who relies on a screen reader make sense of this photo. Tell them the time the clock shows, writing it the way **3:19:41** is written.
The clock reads **5:19:57**
